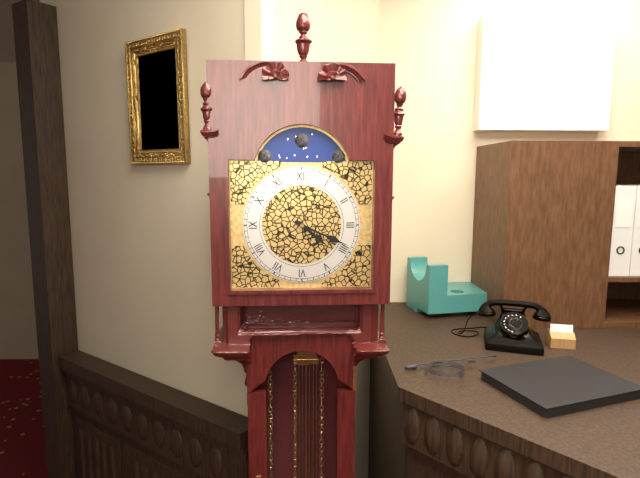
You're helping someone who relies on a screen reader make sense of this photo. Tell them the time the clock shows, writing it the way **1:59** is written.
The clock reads **4:19**
